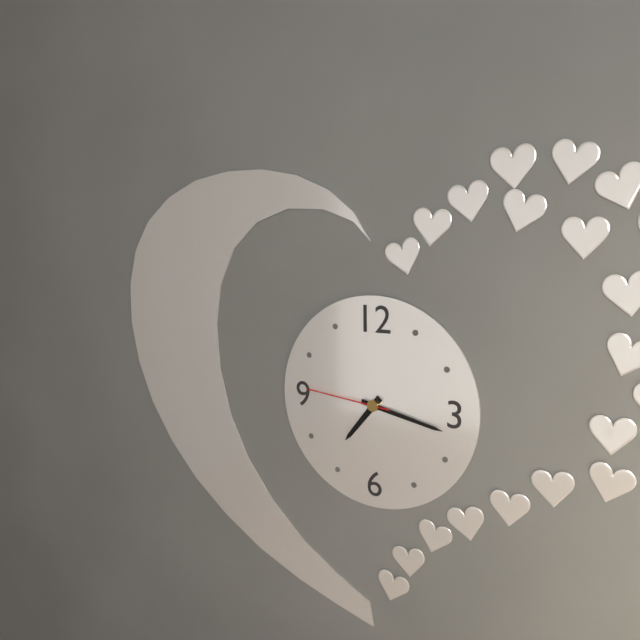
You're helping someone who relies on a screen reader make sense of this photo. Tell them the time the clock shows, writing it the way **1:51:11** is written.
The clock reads **7:17:46**
